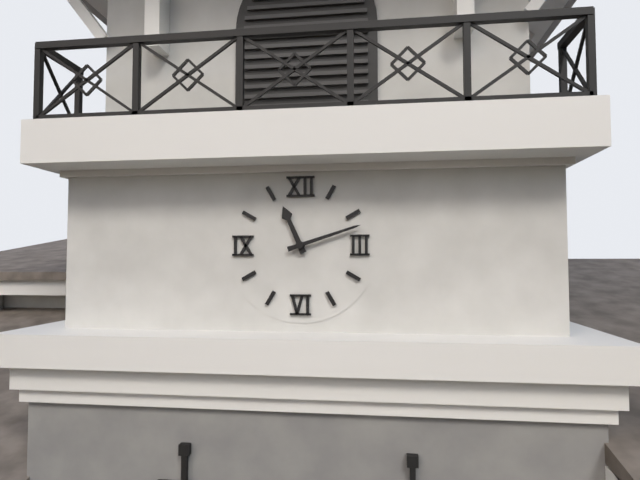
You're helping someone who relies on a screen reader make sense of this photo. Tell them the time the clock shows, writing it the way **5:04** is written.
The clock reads **11:12**
